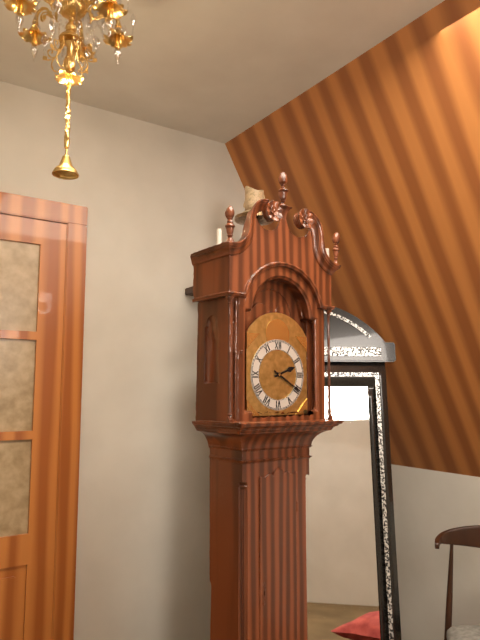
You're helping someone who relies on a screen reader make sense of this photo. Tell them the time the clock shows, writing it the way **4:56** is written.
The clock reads **2:20**
